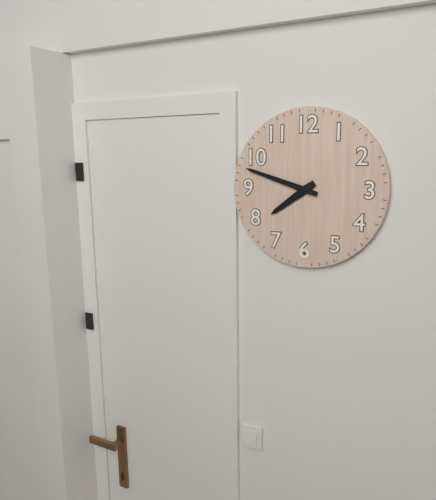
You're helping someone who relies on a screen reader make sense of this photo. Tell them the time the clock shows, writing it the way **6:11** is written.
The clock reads **7:48**
